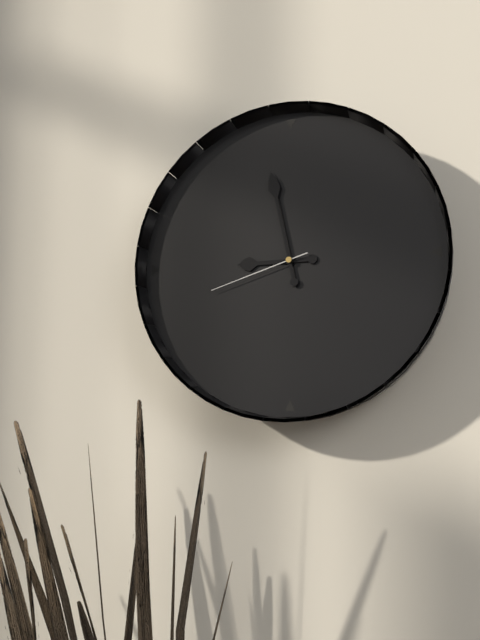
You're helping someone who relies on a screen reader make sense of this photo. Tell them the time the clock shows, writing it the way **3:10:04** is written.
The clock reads **8:58:42**
